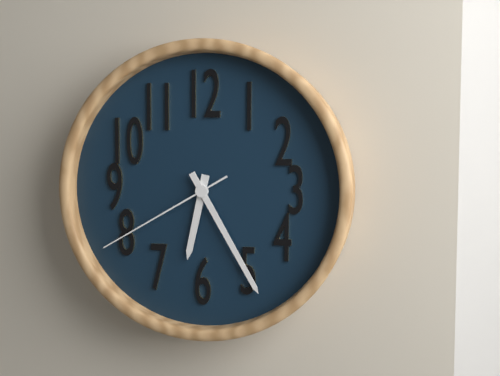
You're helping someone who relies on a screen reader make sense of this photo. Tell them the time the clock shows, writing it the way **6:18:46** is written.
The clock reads **6:25:40**
